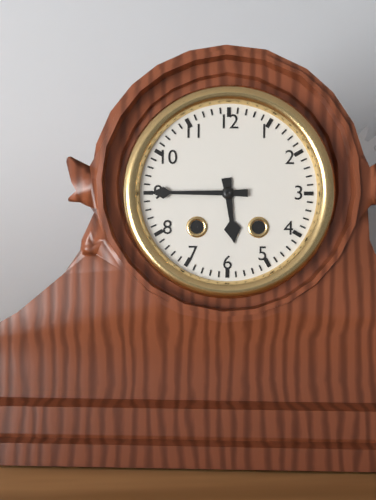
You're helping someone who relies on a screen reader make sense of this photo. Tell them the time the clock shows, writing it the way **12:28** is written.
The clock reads **5:45**
